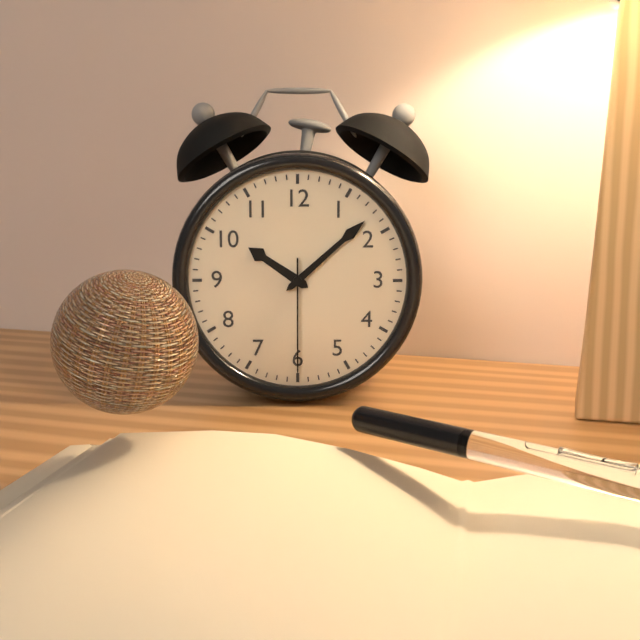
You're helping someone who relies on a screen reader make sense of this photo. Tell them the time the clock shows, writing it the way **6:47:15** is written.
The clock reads **10:08:30**
